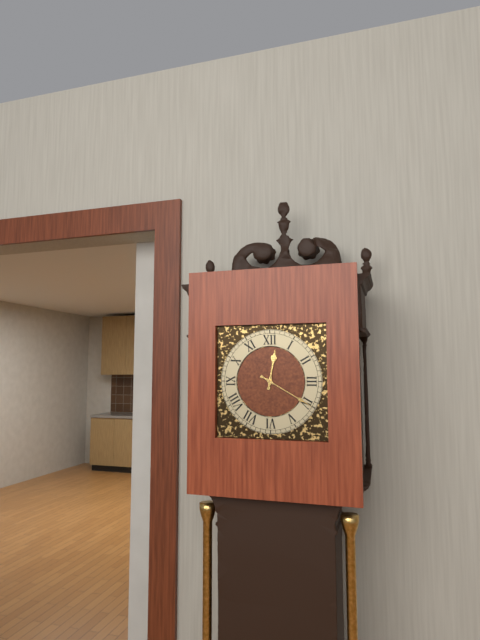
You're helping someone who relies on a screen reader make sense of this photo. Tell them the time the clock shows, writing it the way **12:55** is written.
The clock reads **12:20**
